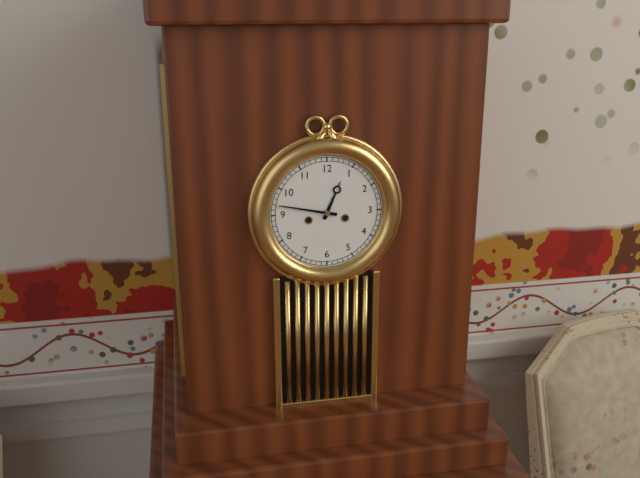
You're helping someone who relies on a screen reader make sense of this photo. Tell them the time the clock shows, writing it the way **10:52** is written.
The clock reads **12:47**
